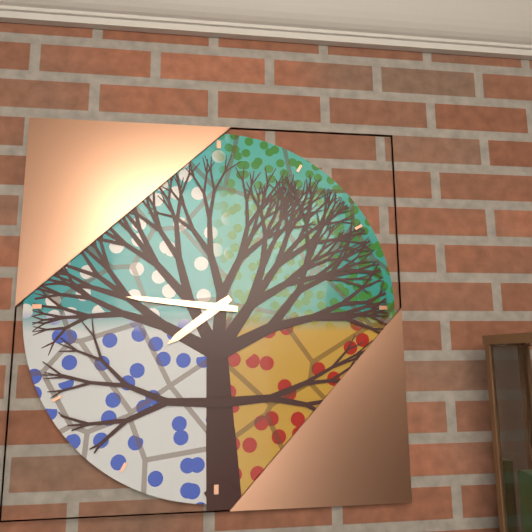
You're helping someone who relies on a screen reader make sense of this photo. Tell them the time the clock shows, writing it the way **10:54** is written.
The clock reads **7:46**
